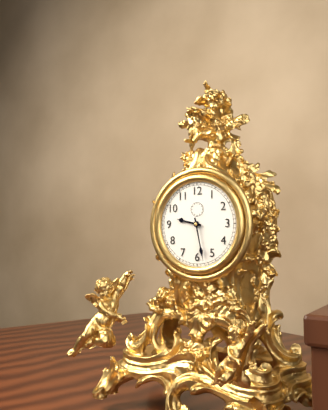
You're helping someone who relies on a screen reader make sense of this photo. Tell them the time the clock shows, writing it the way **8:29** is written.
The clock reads **9:28**
